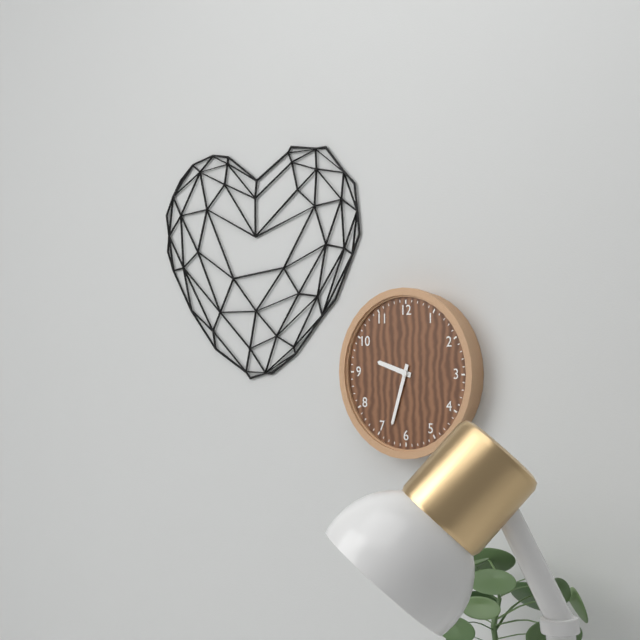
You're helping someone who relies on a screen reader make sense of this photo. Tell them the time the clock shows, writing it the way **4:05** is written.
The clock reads **9:33**
